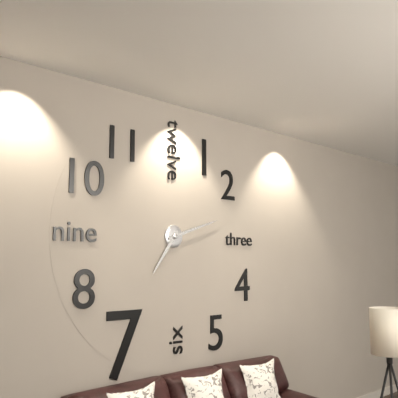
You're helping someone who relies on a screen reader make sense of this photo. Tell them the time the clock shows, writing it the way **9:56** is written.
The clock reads **7:12**
